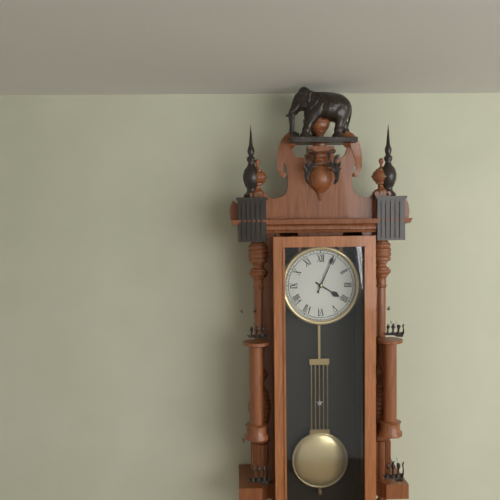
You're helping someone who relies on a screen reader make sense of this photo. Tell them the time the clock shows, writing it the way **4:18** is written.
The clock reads **4:04**
